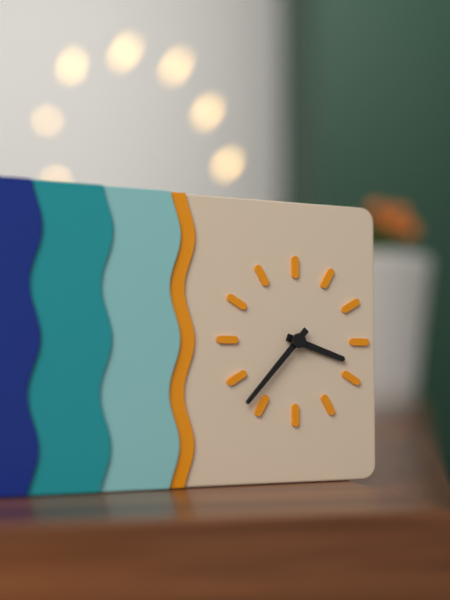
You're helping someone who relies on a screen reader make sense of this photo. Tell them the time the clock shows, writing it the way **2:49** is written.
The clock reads **3:37**
